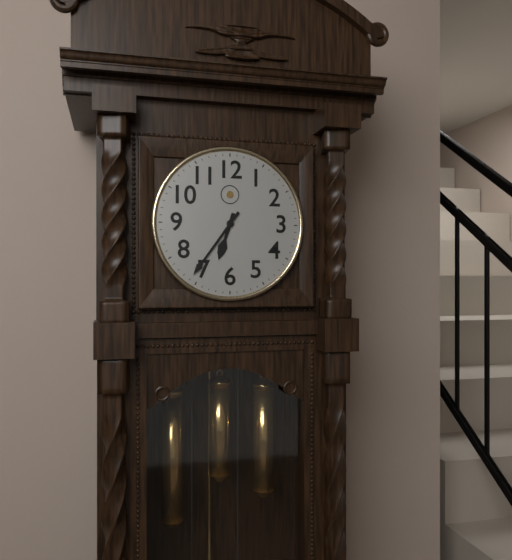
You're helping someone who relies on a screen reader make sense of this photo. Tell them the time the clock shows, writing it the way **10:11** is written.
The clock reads **6:36**
